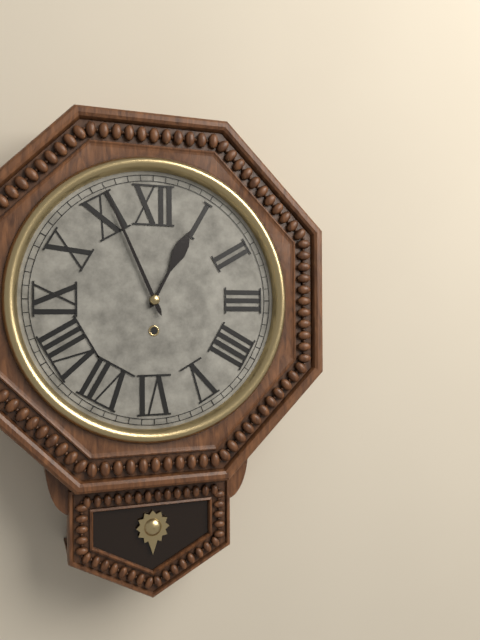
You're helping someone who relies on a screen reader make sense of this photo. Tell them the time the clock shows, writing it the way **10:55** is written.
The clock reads **12:56**
